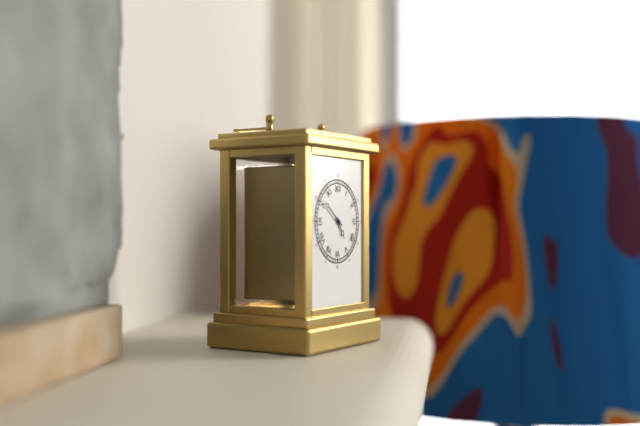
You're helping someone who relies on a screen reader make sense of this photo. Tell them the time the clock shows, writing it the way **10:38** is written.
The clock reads **4:51**
